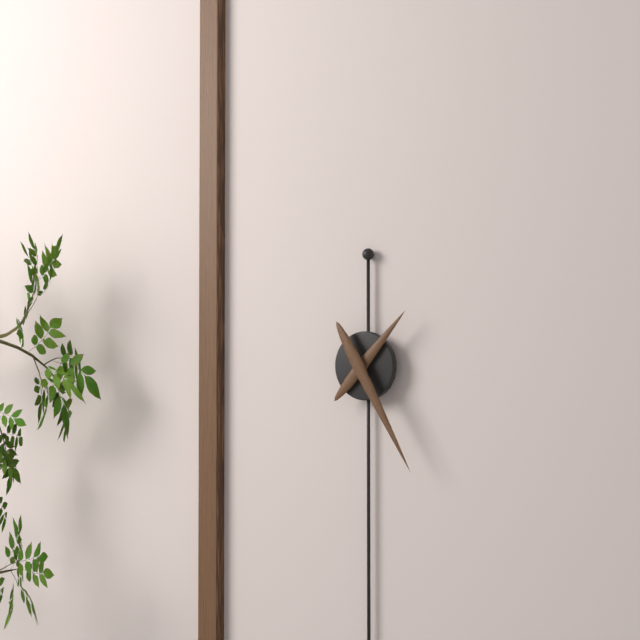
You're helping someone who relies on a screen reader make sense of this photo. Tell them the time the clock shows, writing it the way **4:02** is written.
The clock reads **1:25**
